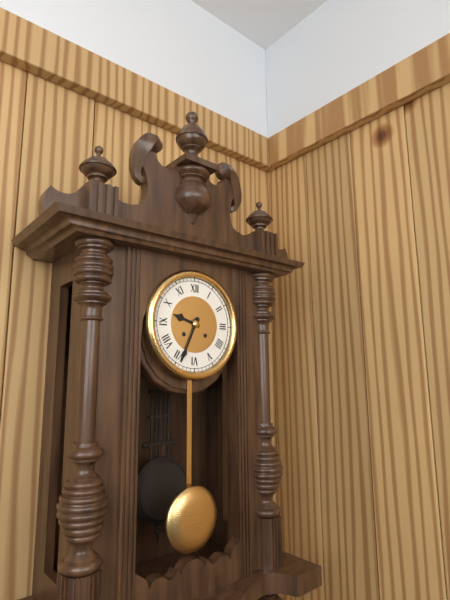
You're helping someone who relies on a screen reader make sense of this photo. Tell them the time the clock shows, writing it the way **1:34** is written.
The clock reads **9:34**
